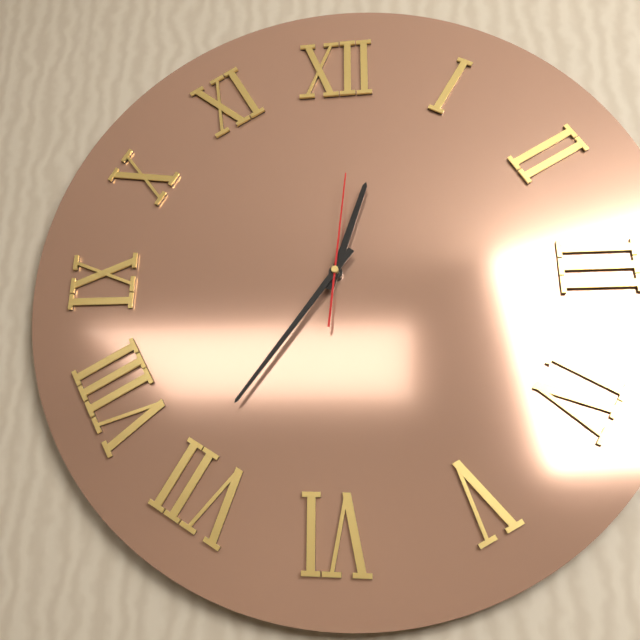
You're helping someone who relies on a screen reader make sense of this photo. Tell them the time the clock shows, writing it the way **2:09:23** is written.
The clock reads **12:36:01**
